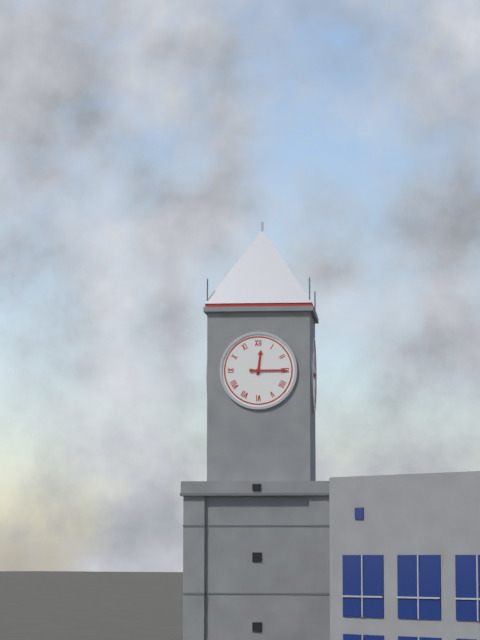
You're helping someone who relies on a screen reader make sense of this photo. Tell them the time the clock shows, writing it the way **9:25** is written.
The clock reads **12:15**
